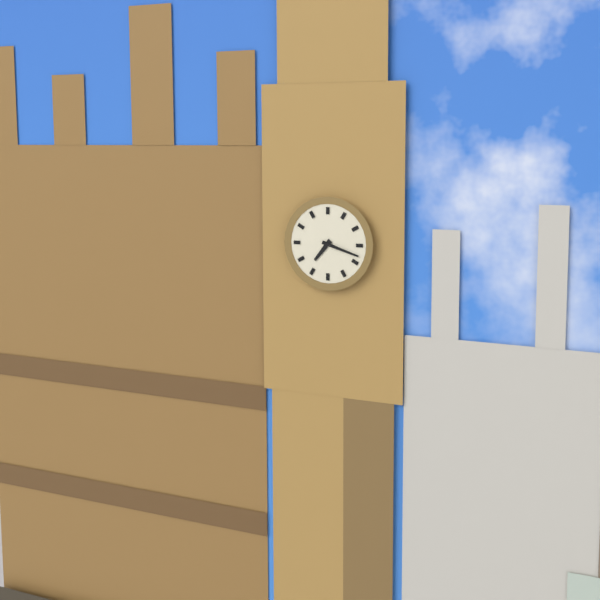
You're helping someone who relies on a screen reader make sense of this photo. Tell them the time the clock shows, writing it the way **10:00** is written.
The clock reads **7:18**
